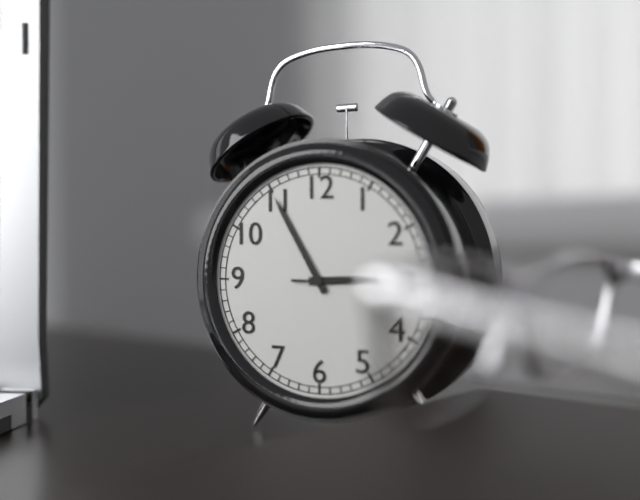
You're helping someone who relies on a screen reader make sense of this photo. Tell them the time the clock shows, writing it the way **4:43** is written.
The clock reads **2:55**
